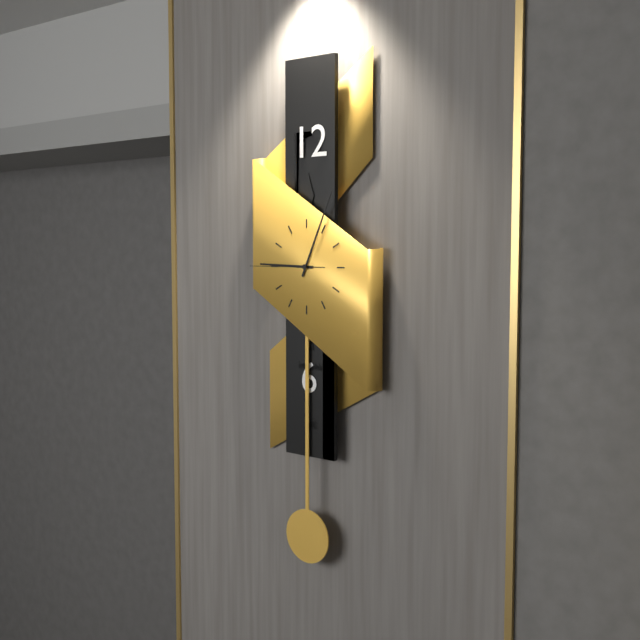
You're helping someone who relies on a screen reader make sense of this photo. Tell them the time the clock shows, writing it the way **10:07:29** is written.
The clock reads **9:04:45**
